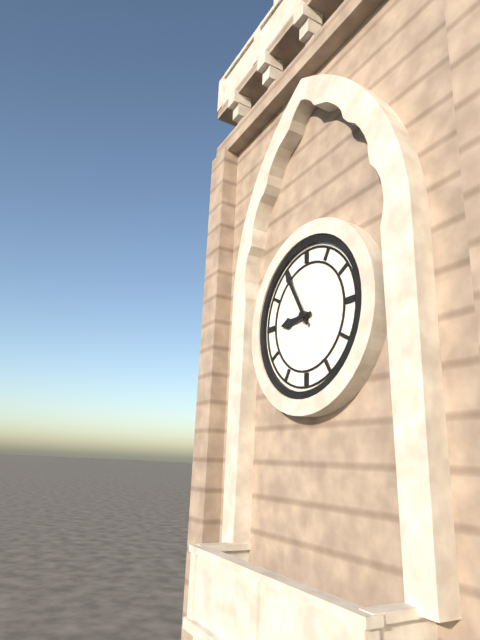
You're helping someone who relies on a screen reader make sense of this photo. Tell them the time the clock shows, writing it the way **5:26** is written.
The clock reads **8:55**
